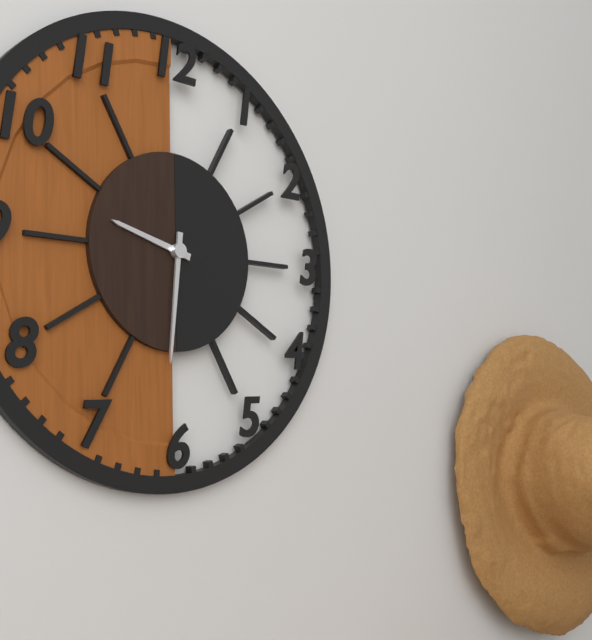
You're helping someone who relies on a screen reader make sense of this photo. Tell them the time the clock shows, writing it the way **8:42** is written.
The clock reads **9:31**
